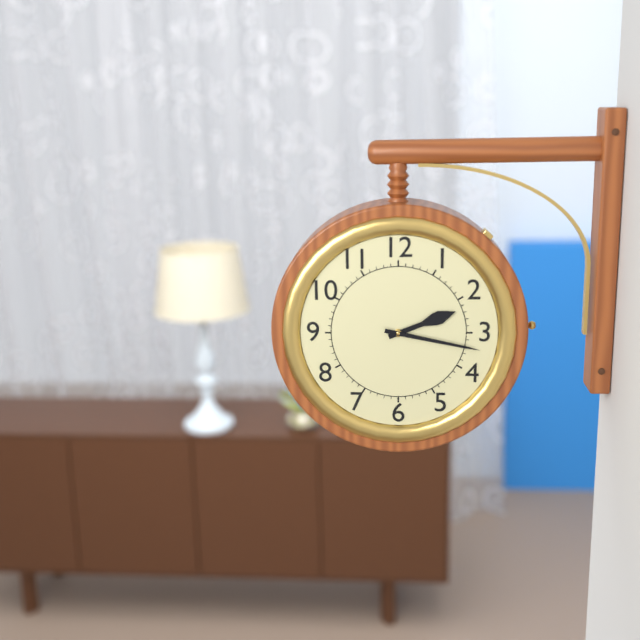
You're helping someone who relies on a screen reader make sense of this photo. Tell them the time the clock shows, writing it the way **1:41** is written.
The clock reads **2:17**
